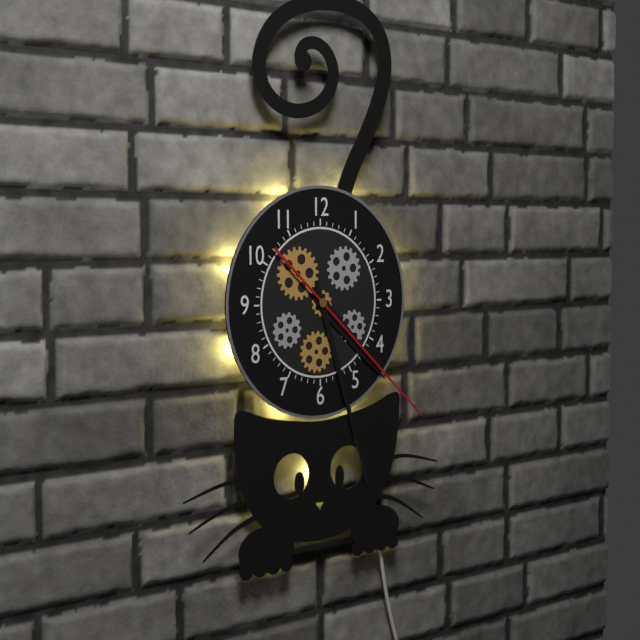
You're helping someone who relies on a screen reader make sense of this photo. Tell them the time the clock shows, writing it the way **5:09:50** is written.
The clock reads **4:27:22**
